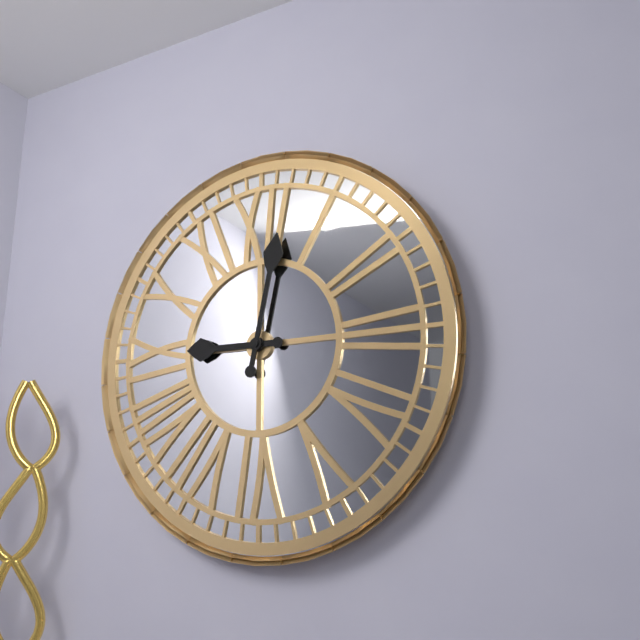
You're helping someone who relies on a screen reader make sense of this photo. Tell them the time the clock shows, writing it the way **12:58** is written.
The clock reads **9:02**
